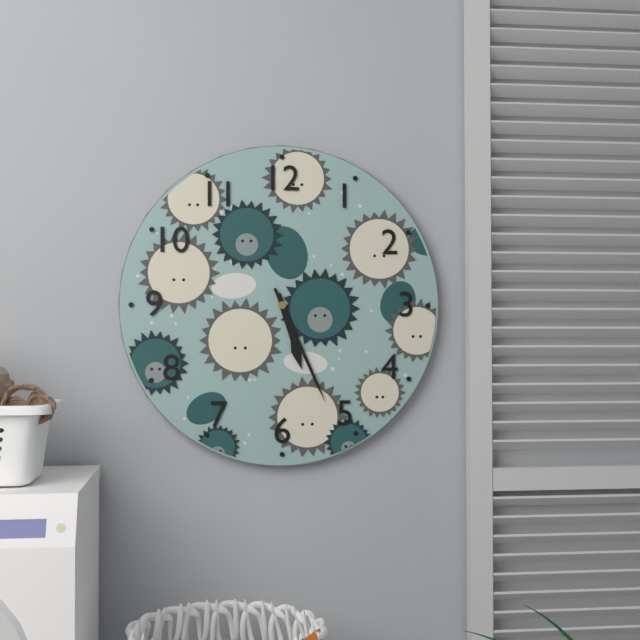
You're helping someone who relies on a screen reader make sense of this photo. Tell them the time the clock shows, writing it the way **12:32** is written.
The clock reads **5:26**
